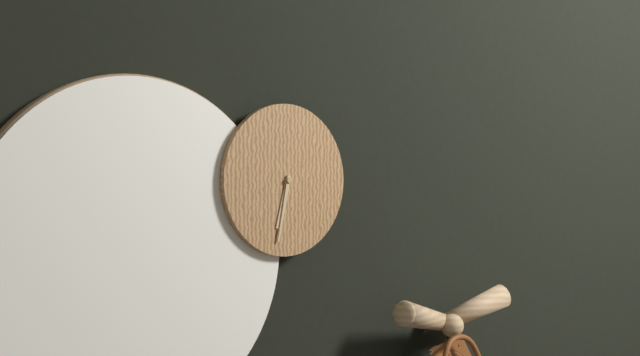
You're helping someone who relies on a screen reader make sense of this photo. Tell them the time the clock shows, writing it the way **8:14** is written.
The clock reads **6:32**
